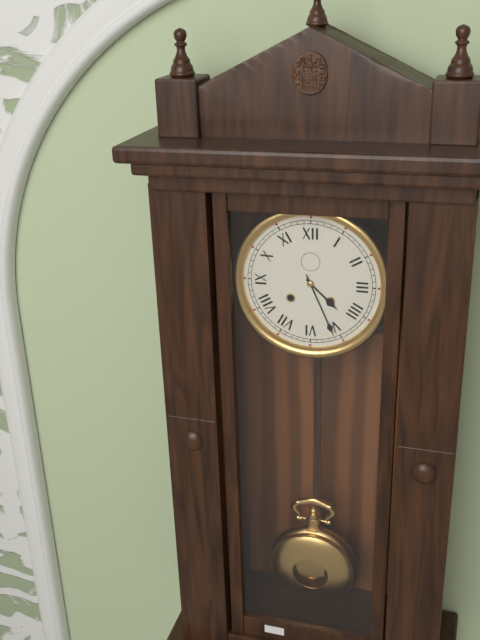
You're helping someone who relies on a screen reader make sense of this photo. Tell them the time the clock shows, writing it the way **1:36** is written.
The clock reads **4:26**
